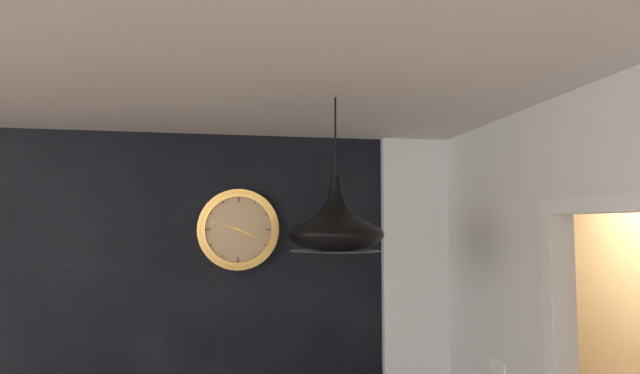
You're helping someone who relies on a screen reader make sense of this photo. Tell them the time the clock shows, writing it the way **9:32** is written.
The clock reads **3:48**
